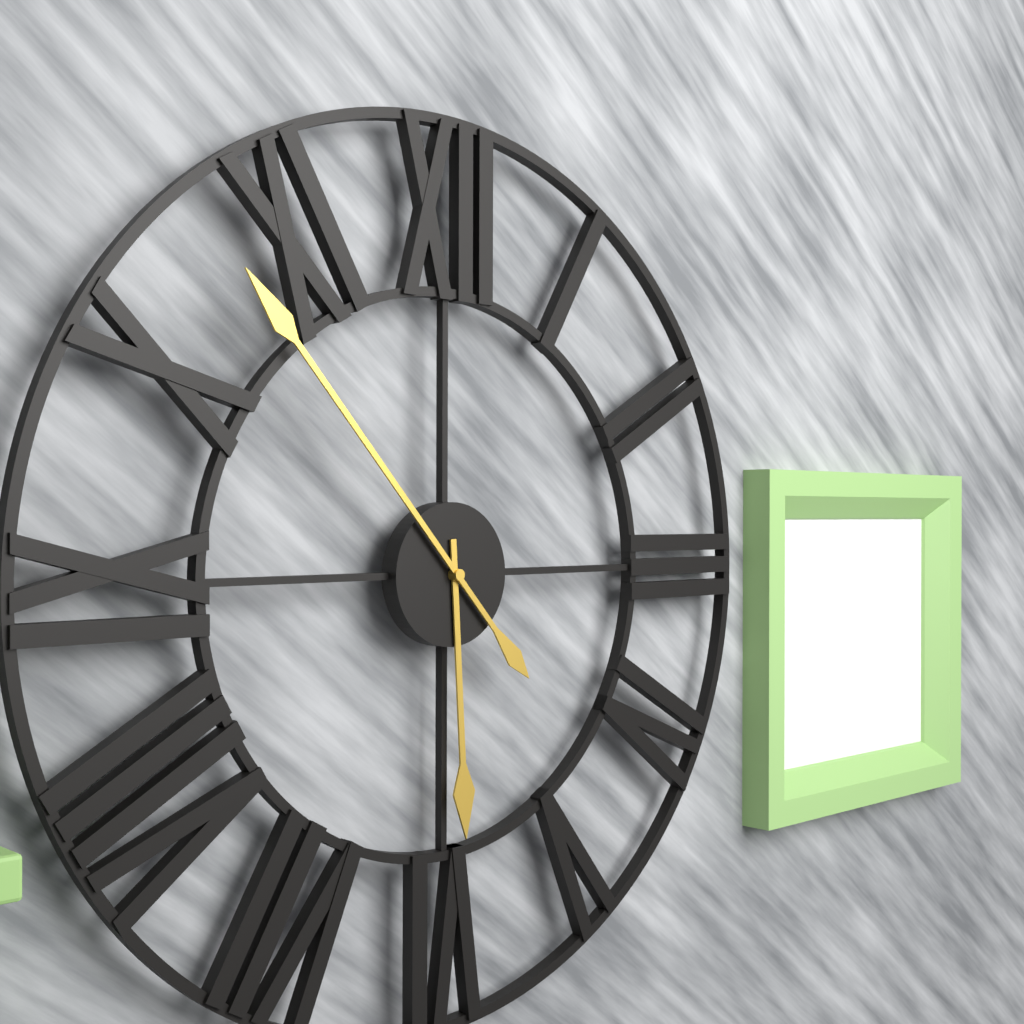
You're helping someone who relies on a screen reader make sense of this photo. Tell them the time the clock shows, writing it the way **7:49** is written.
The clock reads **5:53**
